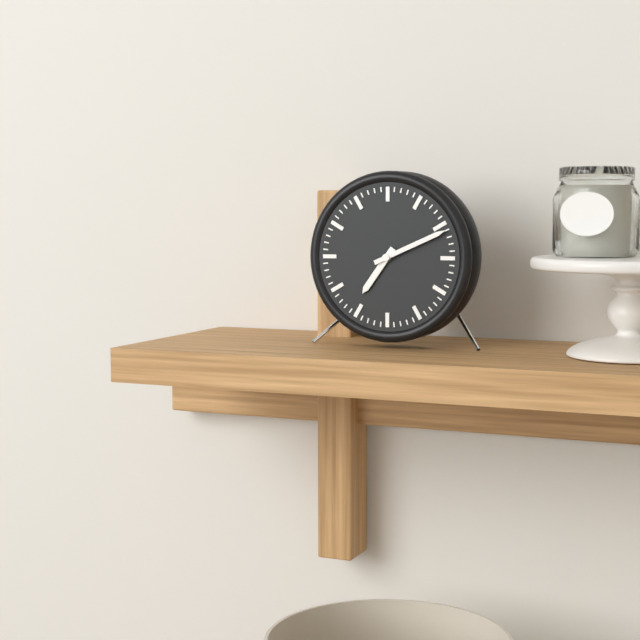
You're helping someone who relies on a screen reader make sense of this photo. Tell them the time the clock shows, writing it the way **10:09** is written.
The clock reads **7:11**
